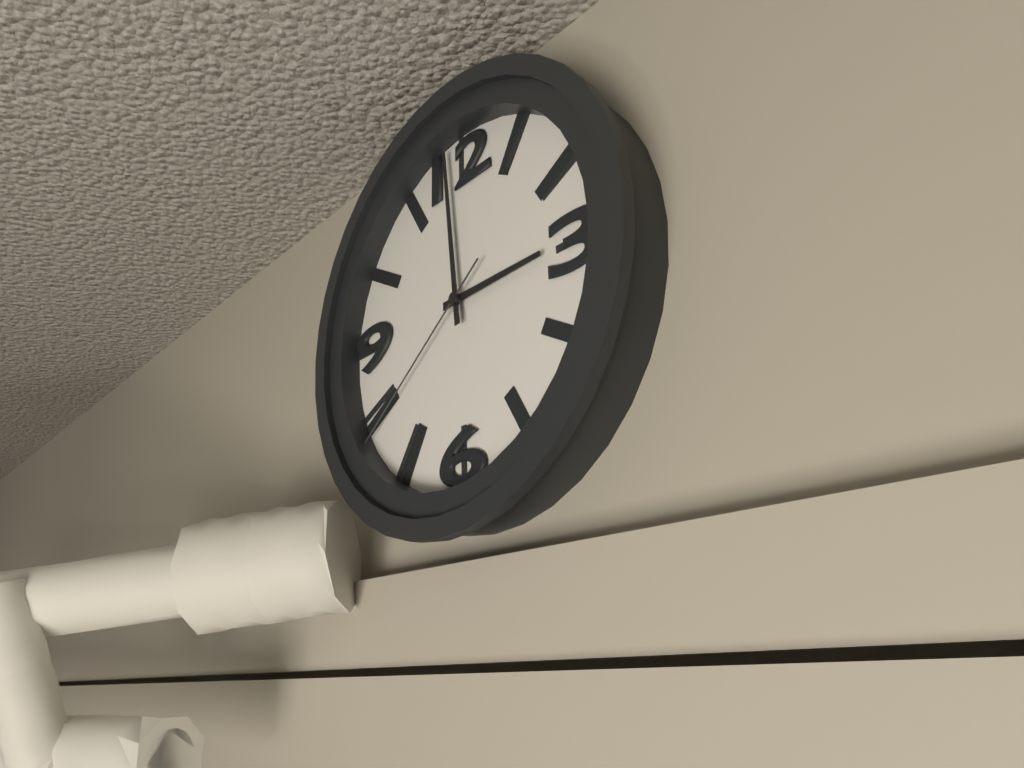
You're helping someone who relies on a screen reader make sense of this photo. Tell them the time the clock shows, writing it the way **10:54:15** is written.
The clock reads **2:59:39**
